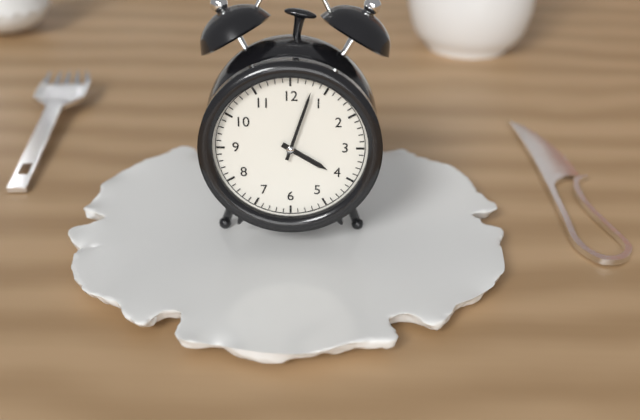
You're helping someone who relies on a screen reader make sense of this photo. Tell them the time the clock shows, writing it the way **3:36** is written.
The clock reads **4:03**
